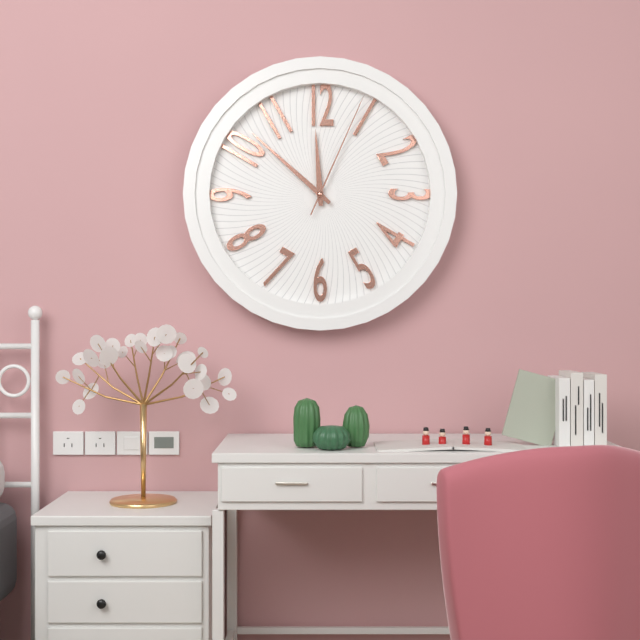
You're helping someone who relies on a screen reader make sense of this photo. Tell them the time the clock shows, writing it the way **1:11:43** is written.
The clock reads **11:52:04**
